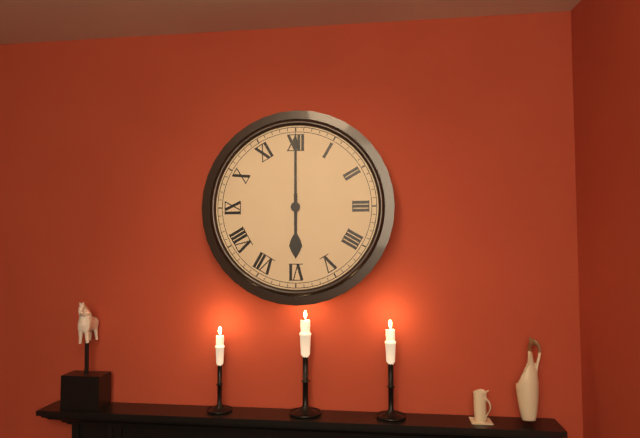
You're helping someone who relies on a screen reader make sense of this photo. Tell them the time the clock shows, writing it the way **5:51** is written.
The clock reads **6:00**
